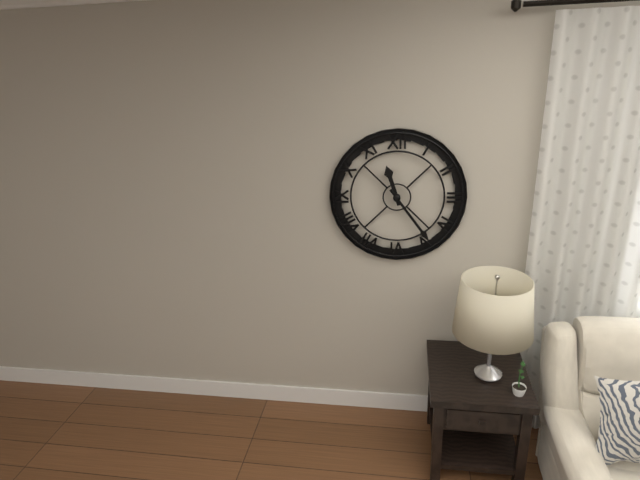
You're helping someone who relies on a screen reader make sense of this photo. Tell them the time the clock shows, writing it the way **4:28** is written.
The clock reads **11:24**
